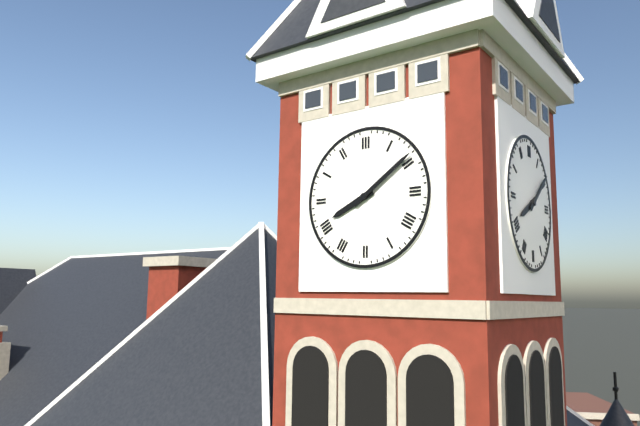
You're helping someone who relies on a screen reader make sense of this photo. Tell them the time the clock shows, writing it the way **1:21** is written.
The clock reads **8:09**
